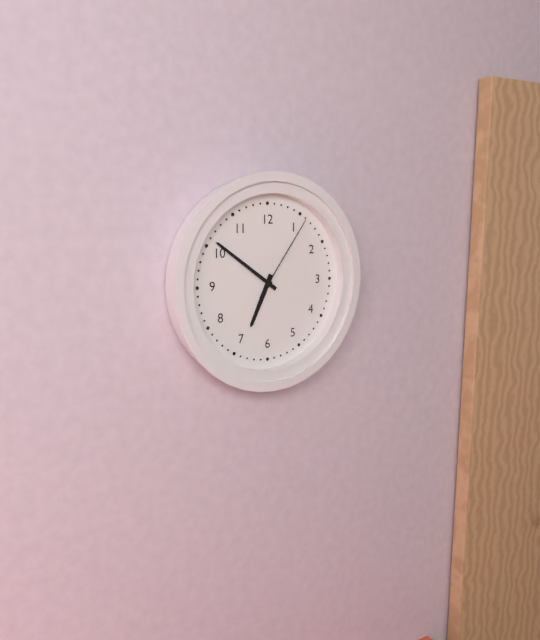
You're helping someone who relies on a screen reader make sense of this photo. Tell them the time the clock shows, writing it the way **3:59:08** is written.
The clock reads **6:51:06**
